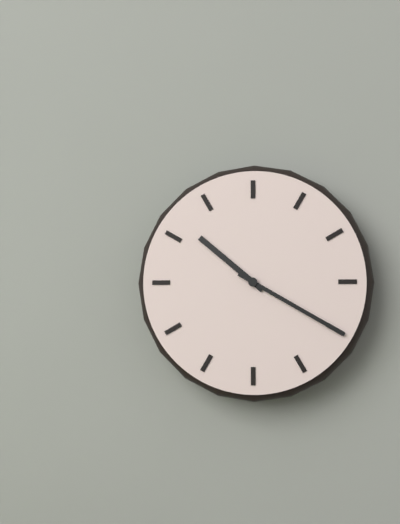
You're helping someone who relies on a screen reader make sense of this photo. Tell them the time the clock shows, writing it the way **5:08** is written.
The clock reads **10:20**
